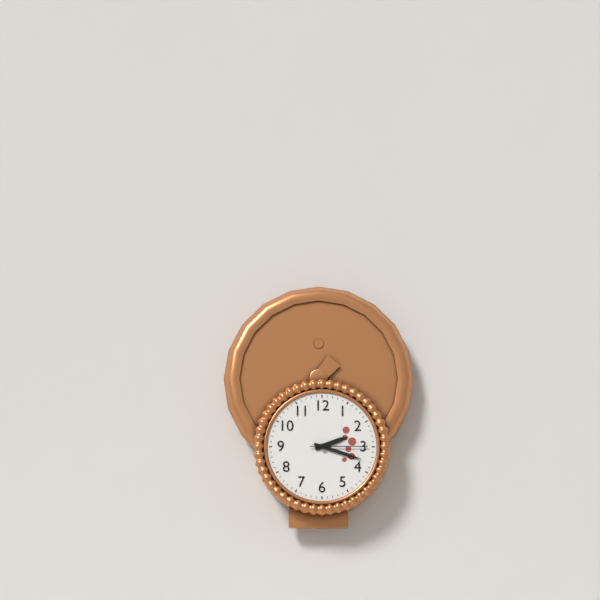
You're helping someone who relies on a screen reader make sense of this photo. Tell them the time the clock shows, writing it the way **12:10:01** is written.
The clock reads **2:18:15**
